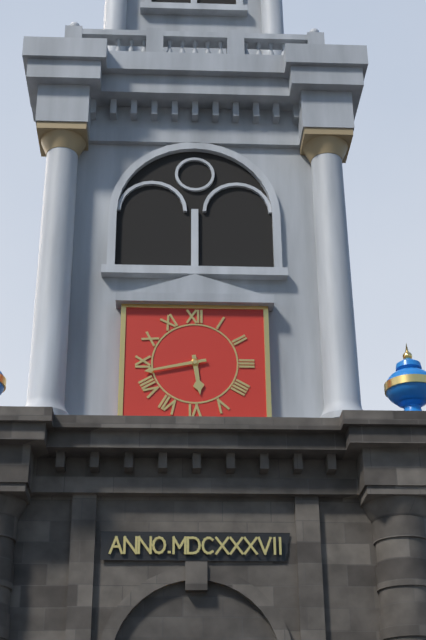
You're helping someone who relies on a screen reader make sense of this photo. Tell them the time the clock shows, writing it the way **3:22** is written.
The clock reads **5:43**
